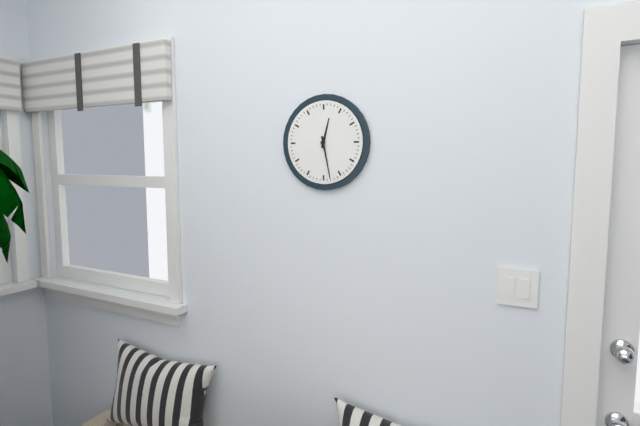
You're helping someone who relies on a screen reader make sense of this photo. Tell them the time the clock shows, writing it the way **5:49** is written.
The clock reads **12:28**
